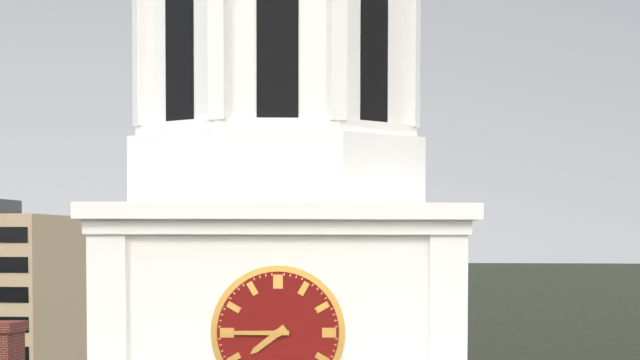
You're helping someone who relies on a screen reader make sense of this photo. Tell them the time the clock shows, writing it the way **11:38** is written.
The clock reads **7:45**
